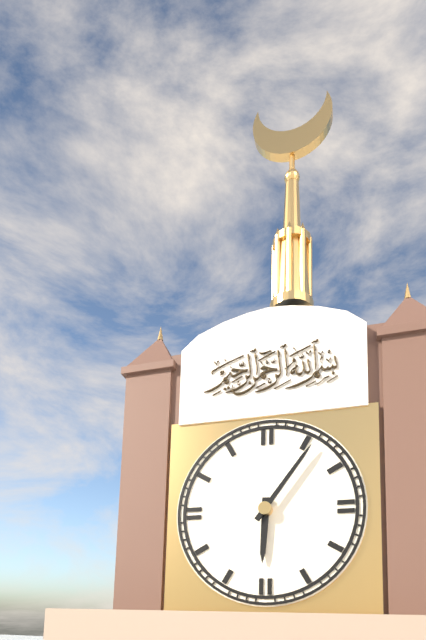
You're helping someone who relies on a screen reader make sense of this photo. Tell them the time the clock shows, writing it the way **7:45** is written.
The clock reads **6:06**
